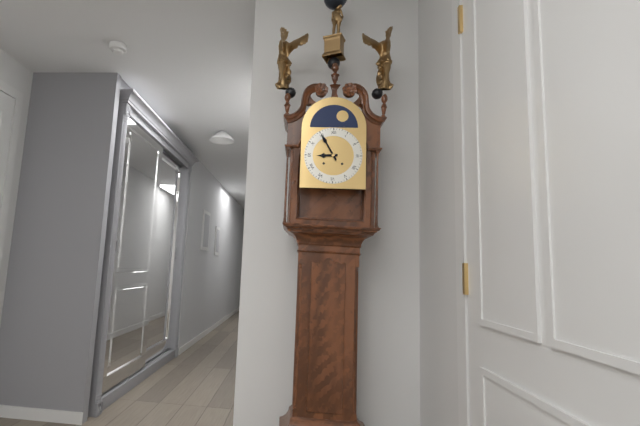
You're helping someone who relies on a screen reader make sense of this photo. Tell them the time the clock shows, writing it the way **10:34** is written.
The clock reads **8:55**
